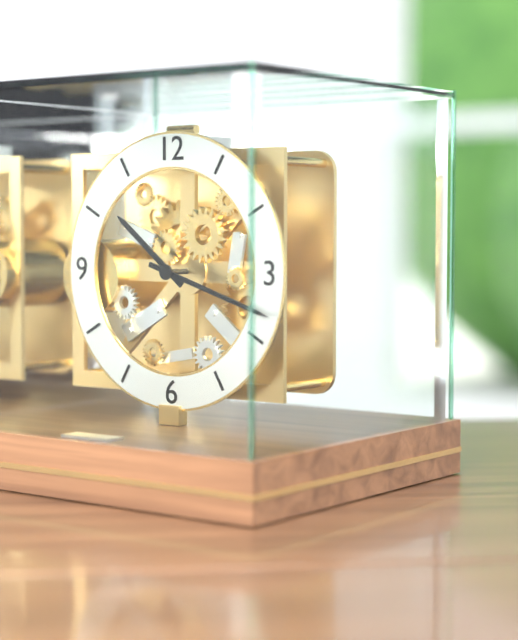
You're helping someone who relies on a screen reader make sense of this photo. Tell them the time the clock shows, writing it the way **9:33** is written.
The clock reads **10:18**
